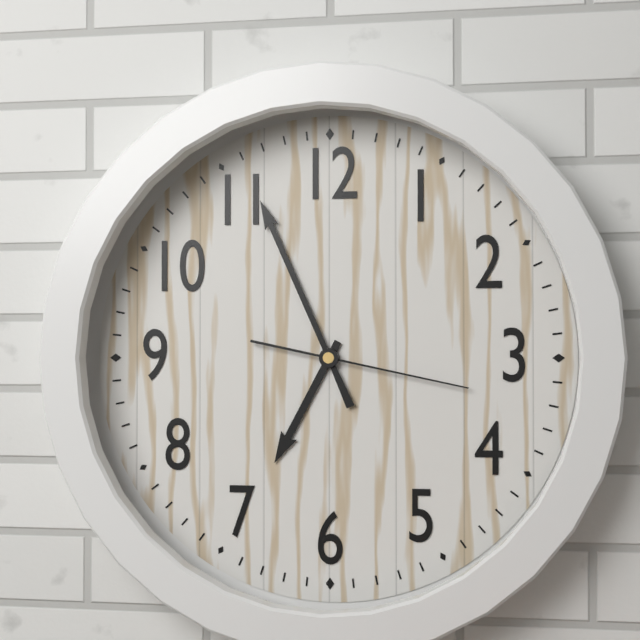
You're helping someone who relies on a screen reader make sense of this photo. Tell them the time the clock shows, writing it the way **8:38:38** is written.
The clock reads **6:56:17**
